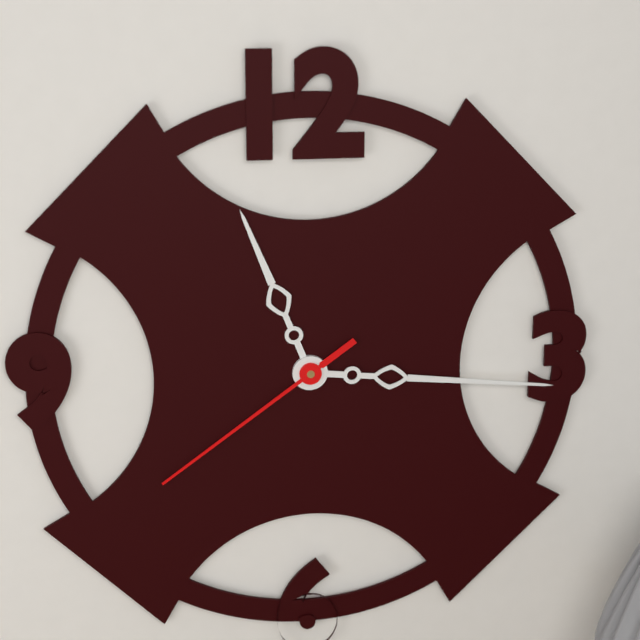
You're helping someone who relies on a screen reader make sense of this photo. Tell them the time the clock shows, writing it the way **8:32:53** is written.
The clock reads **11:16:39**
